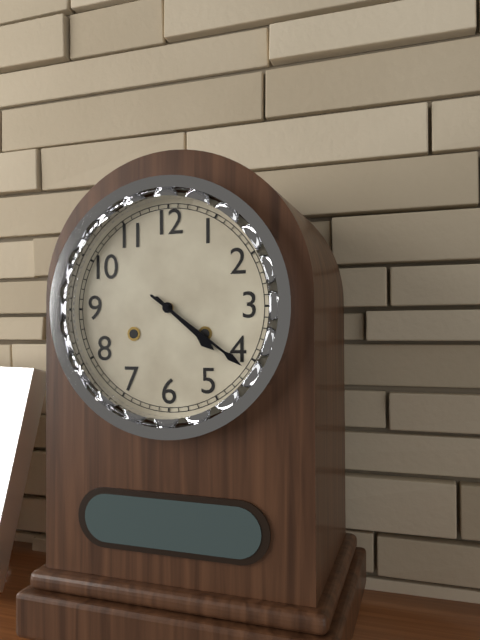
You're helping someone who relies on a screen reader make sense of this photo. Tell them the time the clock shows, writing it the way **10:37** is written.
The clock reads **4:21**
